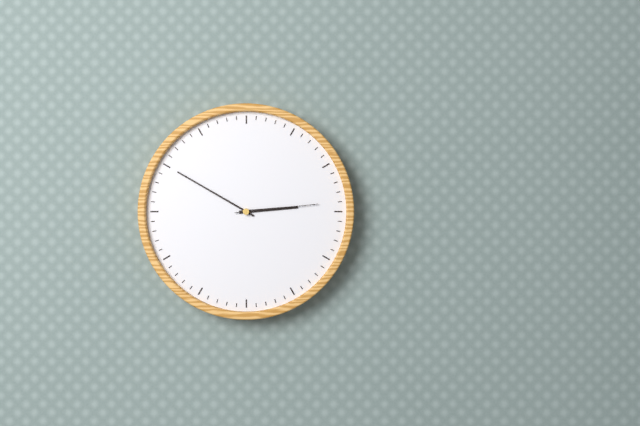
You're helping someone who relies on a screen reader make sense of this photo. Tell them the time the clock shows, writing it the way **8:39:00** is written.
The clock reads **2:50:14**
